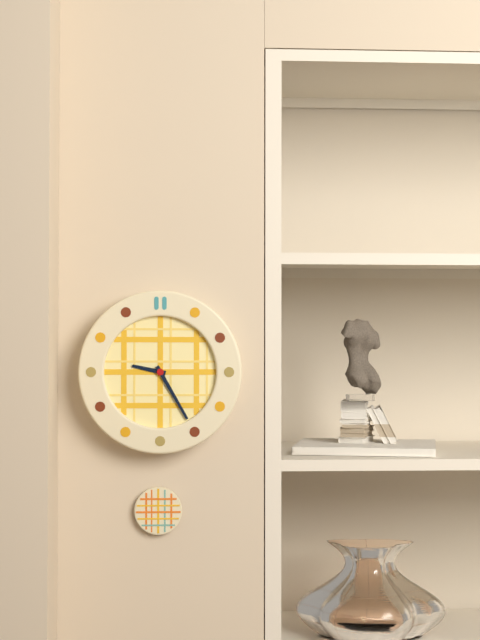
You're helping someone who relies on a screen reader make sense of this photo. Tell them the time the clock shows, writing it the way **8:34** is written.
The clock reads **9:25**
